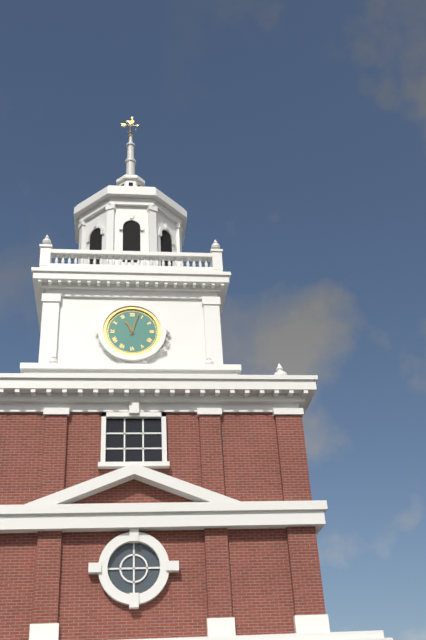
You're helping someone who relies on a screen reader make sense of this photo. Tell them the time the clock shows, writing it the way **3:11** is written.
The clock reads **11:03**
